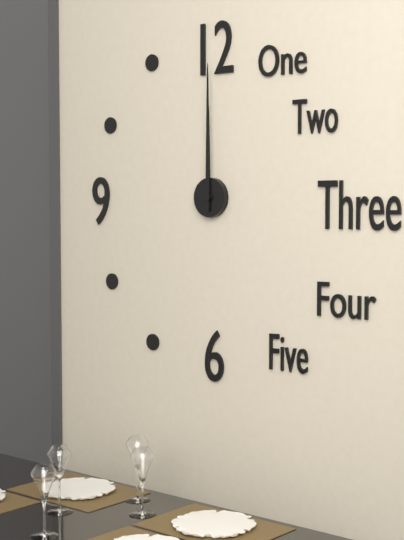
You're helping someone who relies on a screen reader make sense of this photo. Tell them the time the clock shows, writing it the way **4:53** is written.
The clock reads **12:00**
